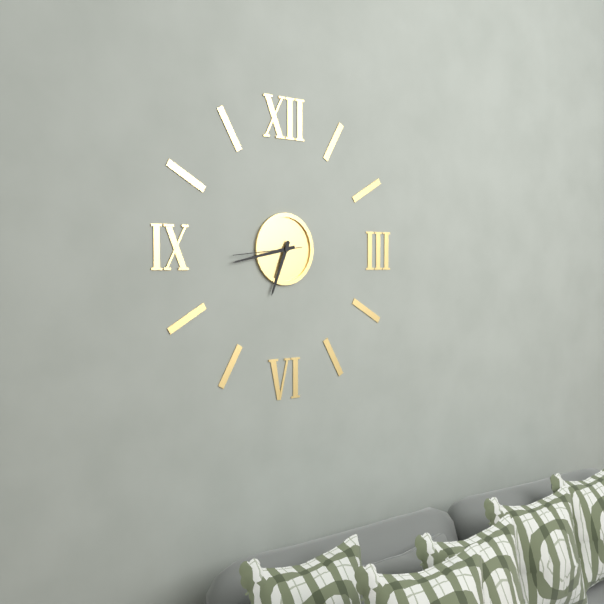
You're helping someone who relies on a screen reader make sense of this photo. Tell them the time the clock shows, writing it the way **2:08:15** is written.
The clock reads **6:43:44**
